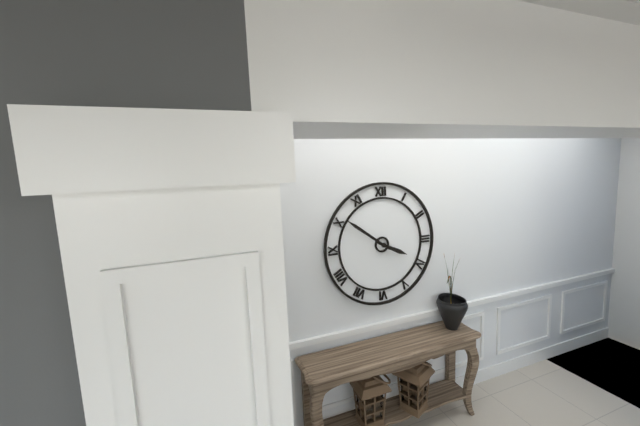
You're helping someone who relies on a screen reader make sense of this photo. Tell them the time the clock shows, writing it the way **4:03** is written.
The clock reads **3:51**
